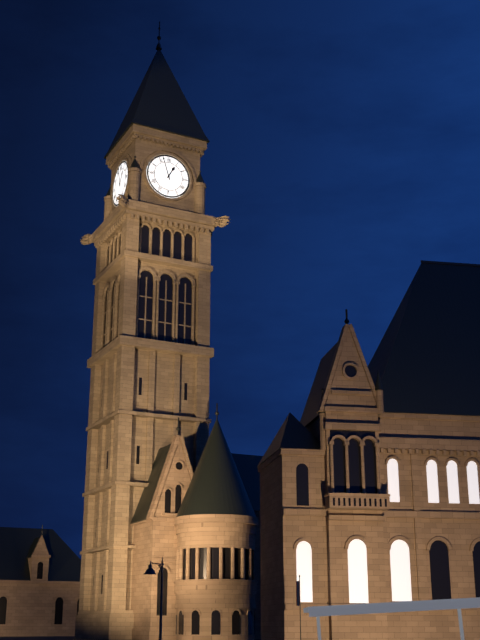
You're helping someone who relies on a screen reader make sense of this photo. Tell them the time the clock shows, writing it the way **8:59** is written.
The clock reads **12:57**
